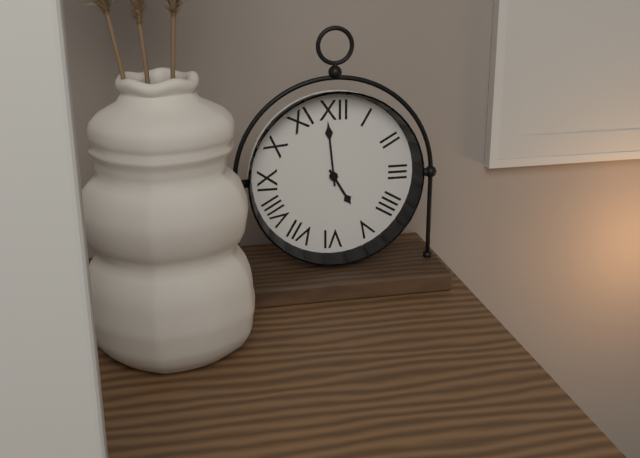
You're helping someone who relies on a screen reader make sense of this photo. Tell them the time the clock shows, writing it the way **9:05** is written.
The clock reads **4:59**
